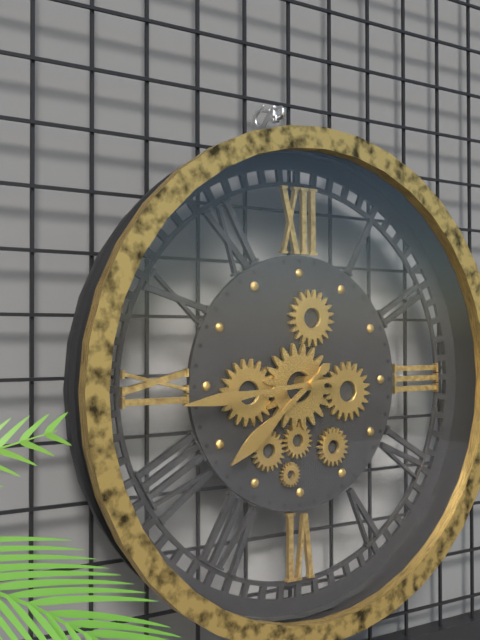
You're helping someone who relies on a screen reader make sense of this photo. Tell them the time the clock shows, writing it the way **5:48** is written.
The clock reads **7:44**
